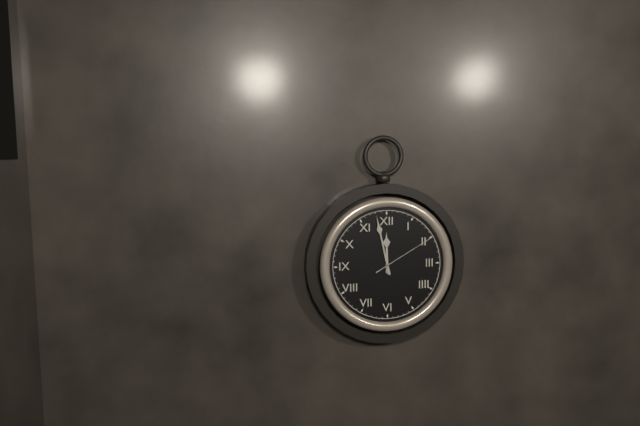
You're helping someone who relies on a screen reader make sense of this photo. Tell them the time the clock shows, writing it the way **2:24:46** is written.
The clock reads **11:58:10**
